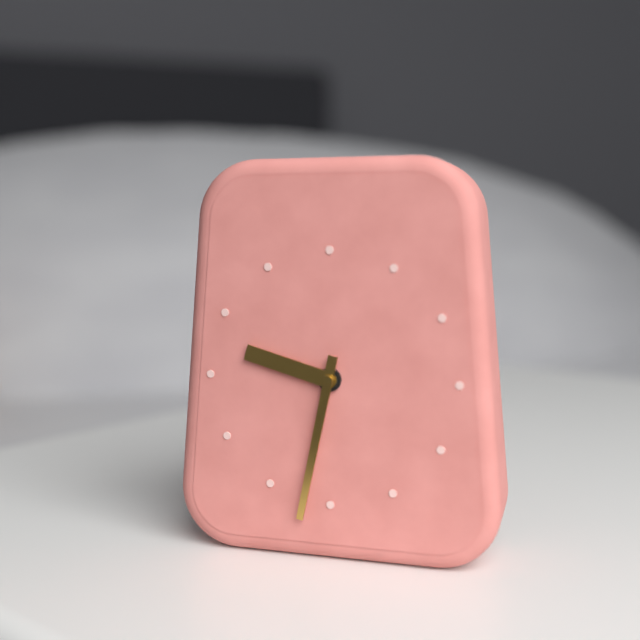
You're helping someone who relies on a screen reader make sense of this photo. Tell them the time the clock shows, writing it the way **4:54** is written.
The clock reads **9:32**
